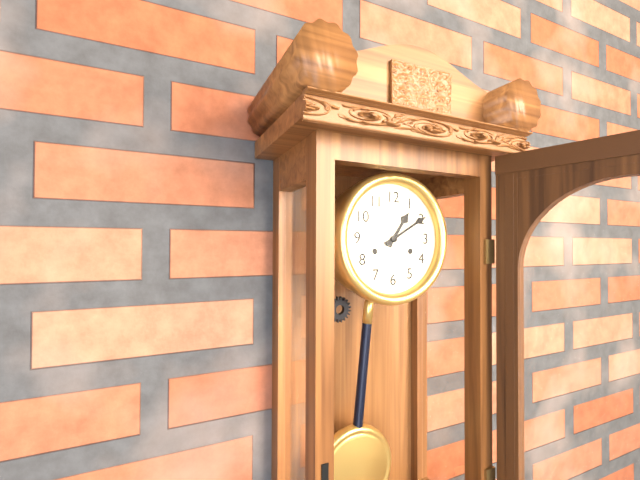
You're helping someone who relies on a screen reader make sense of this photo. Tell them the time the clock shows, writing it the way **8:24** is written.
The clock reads **1:10**
